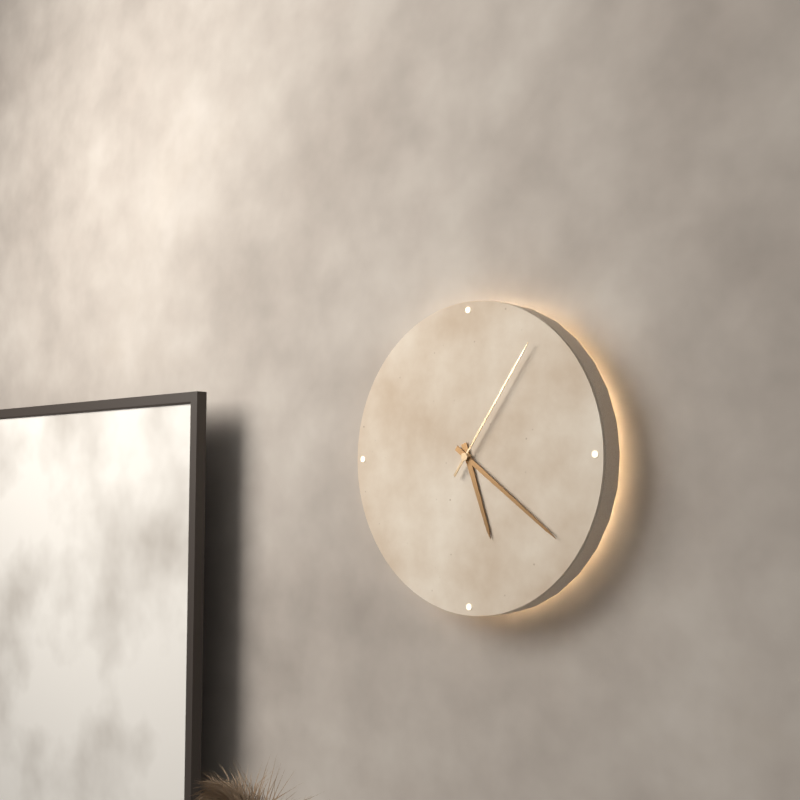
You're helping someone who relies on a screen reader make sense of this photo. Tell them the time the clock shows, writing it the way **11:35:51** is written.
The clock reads **5:21:06**
